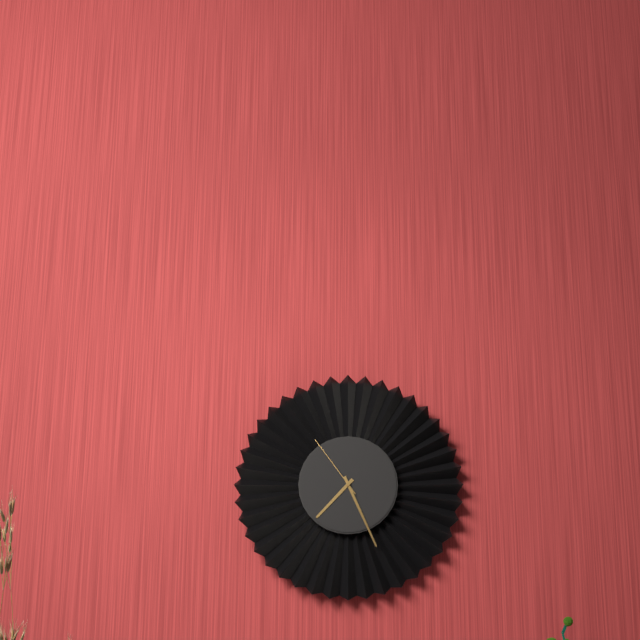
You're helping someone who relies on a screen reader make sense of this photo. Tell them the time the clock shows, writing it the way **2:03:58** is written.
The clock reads **7:26:54**
